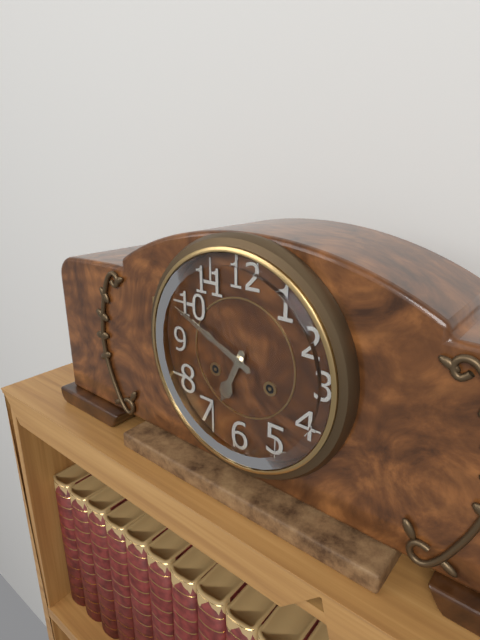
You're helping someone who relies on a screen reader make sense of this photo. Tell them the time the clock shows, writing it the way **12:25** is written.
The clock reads **6:49**
